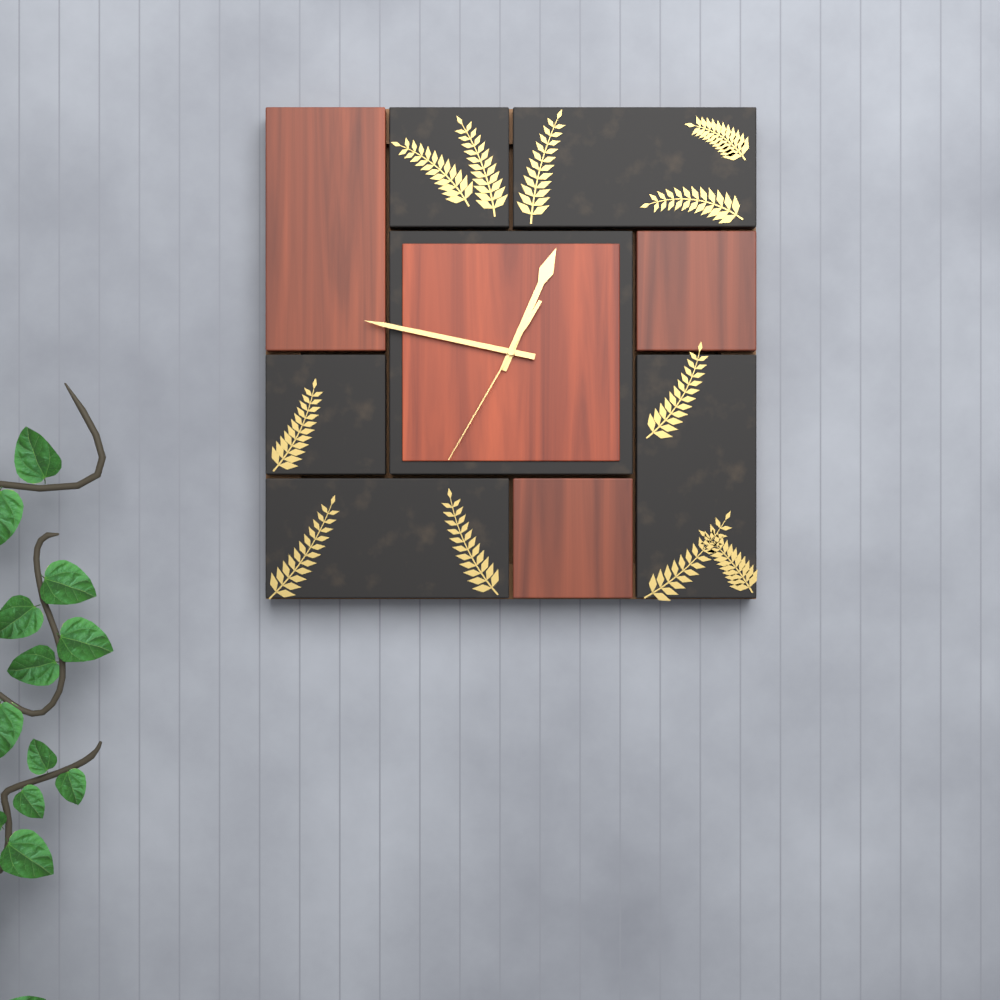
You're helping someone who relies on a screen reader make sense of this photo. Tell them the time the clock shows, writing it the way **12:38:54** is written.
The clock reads **12:47:35**
